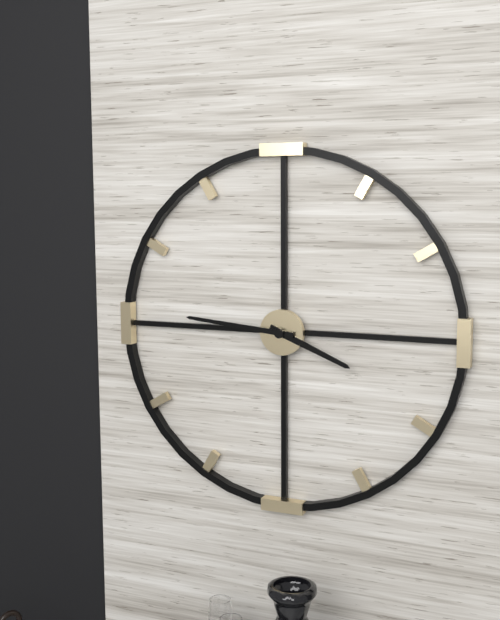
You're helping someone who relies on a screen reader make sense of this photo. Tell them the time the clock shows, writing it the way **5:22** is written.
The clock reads **3:46**
